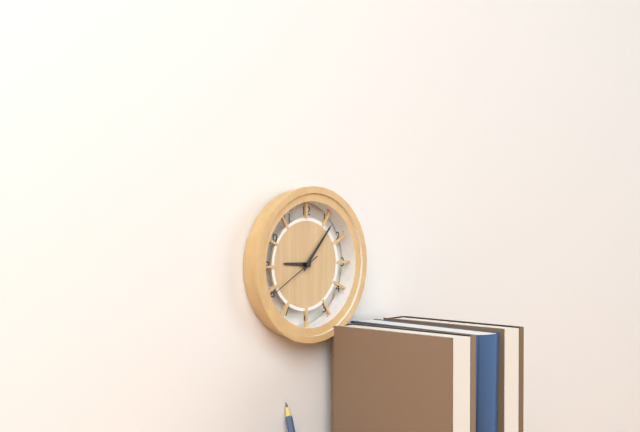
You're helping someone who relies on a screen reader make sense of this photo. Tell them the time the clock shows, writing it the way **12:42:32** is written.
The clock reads **9:07:40**
